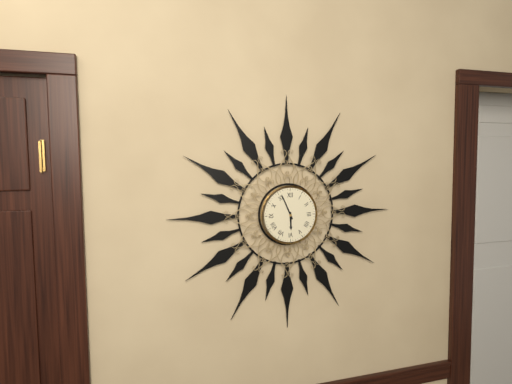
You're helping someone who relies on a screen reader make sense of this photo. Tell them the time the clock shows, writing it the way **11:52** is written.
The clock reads **5:56**
